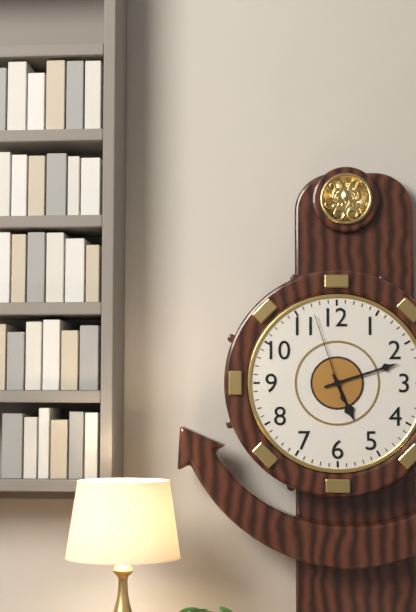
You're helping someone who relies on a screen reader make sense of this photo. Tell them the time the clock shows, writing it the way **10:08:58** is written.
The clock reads **5:12:57**
